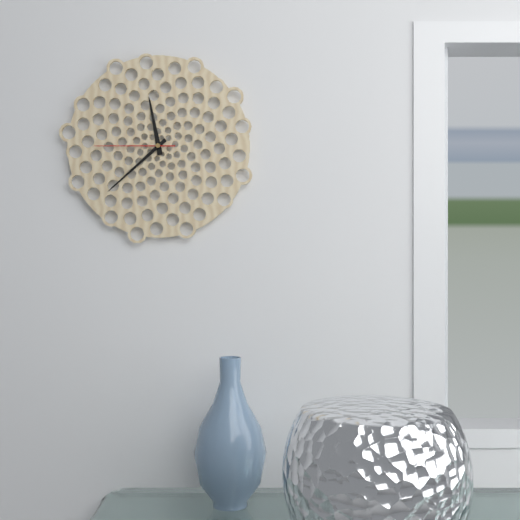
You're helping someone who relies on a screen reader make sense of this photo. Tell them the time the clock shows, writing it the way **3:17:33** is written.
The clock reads **11:38:45**
